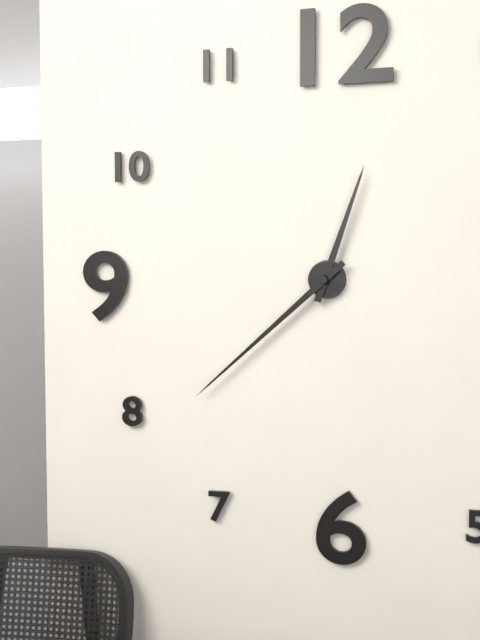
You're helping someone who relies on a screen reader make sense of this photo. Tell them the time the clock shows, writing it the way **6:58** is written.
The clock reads **12:38**
